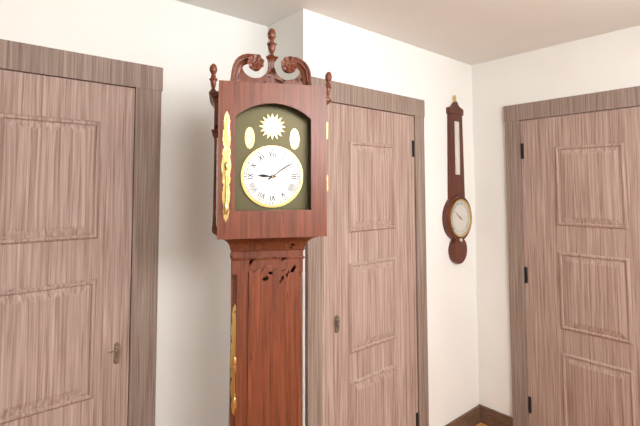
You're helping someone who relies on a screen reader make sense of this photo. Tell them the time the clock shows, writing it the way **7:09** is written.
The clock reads **9:09**
